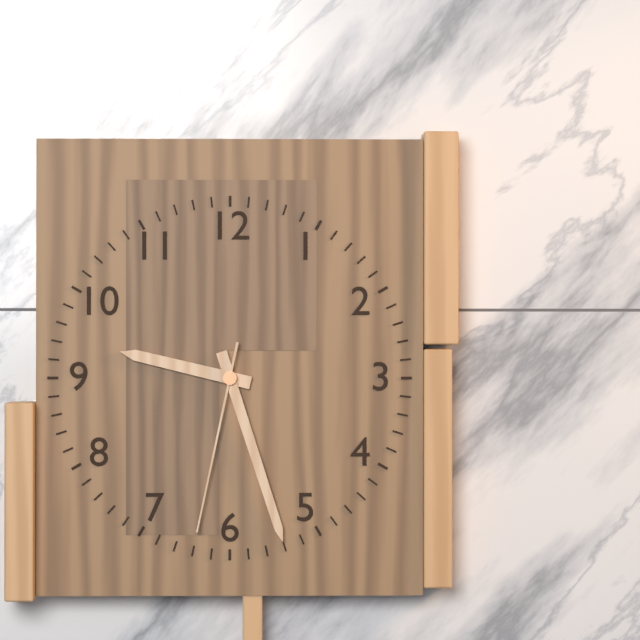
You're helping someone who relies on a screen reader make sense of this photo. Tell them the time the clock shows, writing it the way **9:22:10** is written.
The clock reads **9:27:32**
